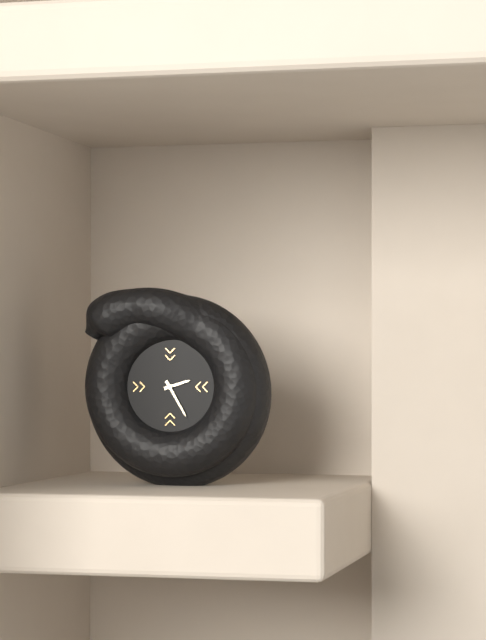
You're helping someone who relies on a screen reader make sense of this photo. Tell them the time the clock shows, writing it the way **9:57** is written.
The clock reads **2:25**
